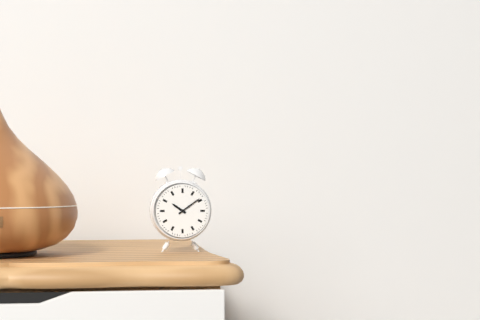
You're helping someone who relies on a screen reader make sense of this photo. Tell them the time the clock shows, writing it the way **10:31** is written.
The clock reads **10:09**
